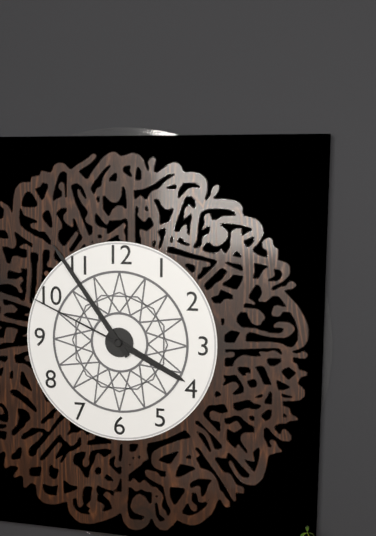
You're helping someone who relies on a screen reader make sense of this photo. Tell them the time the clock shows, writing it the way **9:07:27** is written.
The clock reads **3:54:49**
